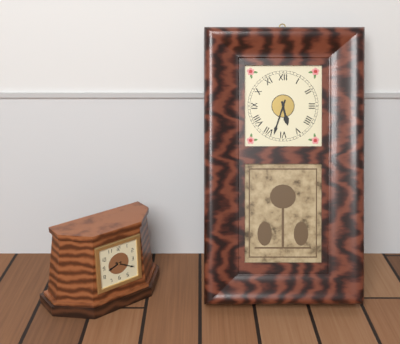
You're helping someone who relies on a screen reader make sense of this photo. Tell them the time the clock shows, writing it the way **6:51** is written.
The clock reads **5:33**
